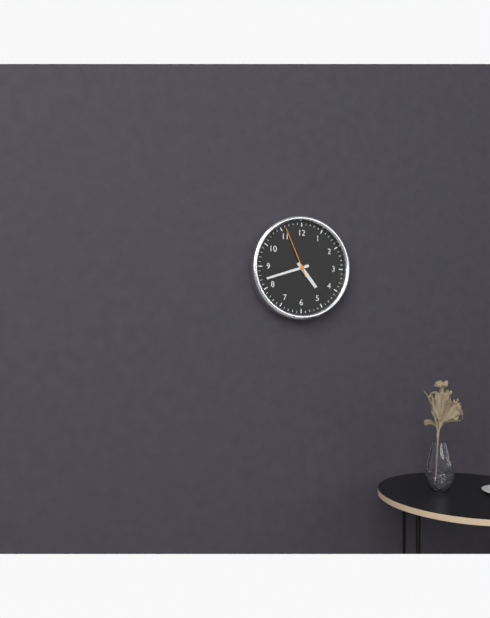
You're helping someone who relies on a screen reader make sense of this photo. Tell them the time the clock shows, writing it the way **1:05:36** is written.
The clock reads **4:42:56**
